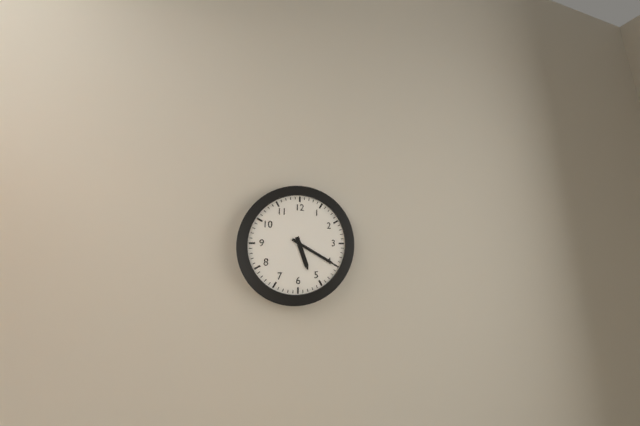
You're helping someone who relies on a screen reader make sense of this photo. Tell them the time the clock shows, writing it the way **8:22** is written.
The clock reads **5:20**
